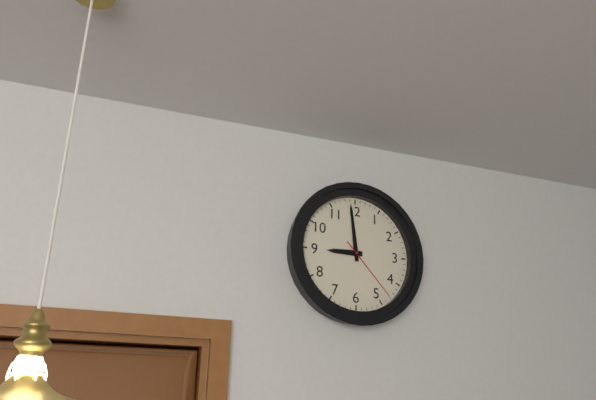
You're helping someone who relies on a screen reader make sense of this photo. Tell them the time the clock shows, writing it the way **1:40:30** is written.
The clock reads **8:59:23**
